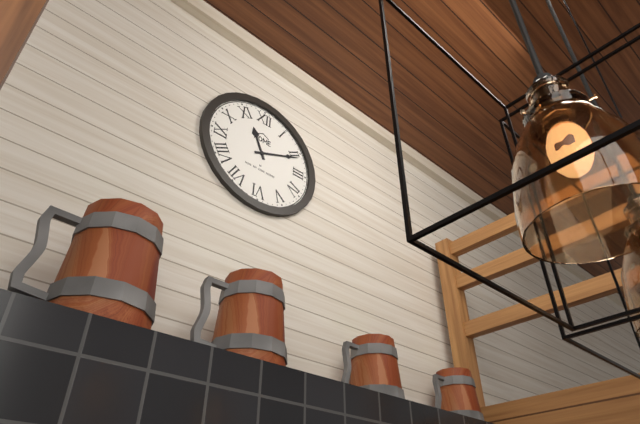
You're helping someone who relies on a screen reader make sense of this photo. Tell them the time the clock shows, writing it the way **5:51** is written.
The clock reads **11:11**
